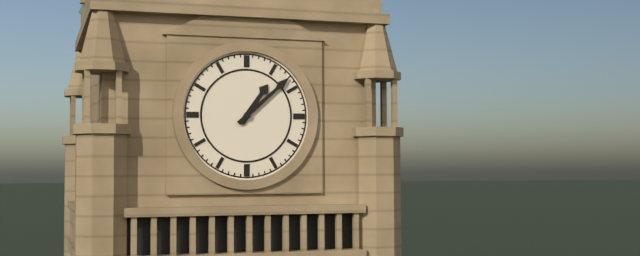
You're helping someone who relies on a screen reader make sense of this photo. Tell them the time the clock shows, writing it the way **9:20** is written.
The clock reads **1:08**
